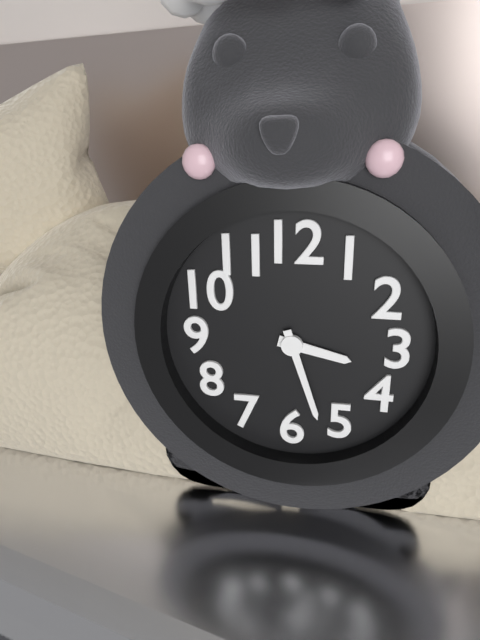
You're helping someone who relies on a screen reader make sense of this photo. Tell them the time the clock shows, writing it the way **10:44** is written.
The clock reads **3:27**
